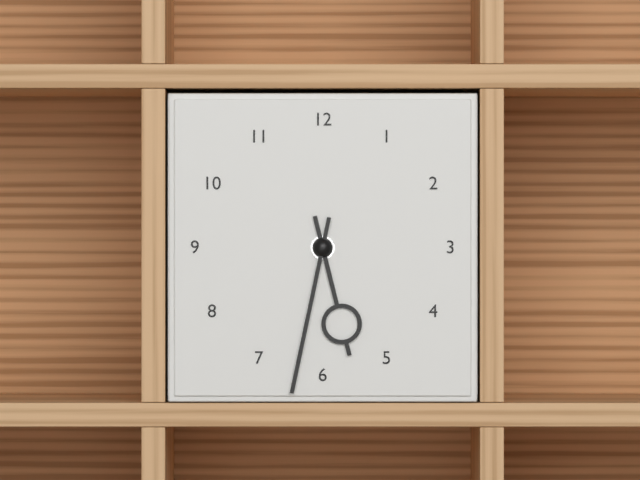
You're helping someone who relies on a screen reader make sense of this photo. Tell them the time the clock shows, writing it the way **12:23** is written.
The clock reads **5:32**
